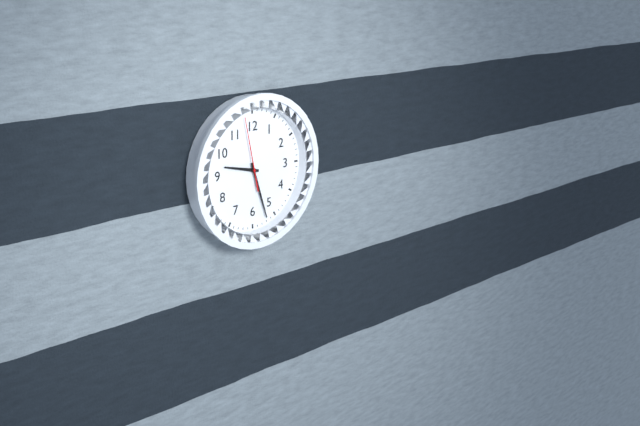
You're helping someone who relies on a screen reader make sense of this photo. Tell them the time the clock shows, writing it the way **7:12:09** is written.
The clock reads **9:27:58**
